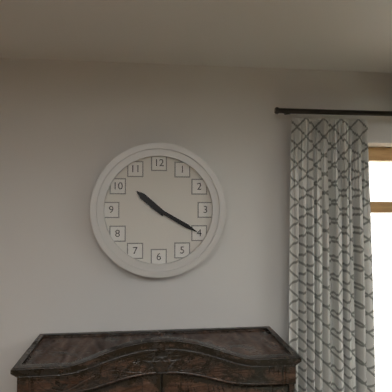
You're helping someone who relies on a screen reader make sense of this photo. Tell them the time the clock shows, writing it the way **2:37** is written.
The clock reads **10:20**
